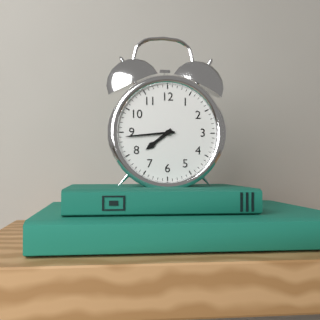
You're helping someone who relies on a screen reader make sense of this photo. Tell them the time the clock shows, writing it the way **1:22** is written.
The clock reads **7:44**
